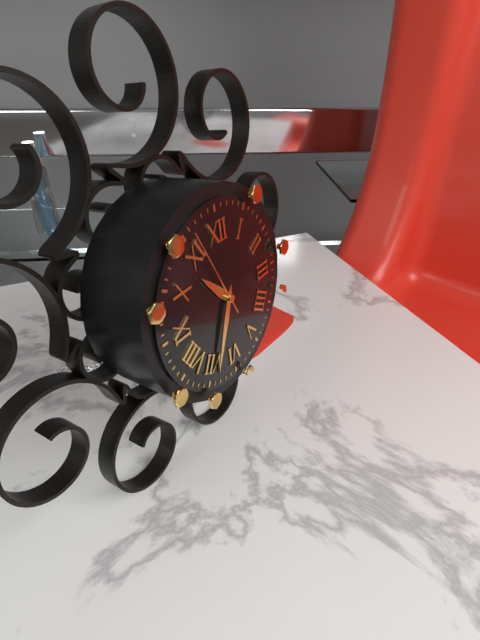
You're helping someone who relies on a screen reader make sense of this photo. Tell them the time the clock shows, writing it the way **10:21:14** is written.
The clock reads **10:34:56**
